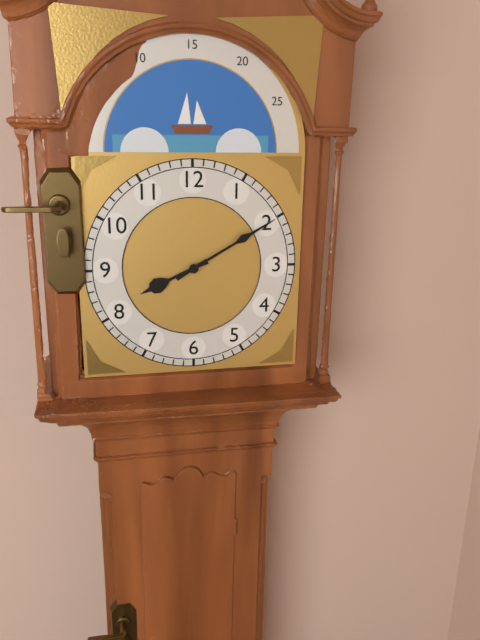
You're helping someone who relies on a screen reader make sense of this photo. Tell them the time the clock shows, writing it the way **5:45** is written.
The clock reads **8:10**
